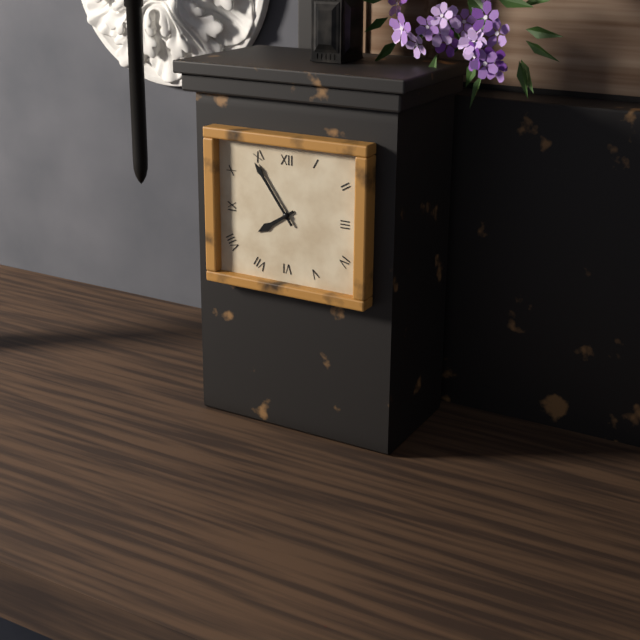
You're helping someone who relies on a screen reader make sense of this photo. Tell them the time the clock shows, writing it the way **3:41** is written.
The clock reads **7:54**
